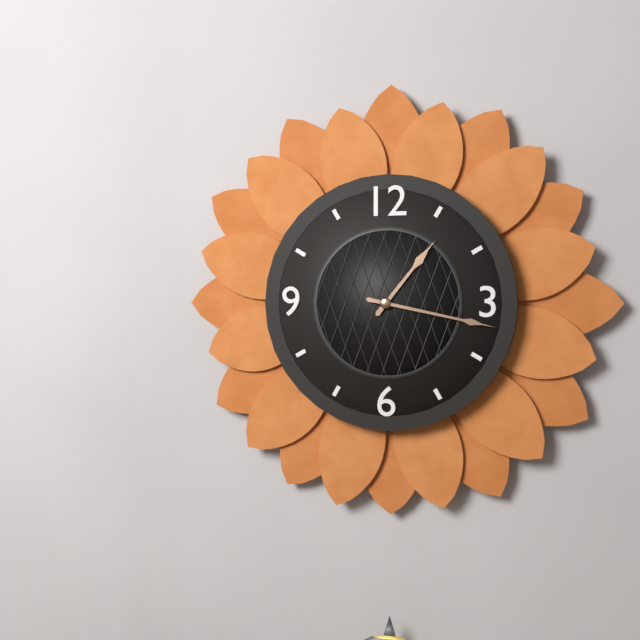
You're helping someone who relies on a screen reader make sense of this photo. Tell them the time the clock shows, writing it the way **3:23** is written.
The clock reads **1:17**
